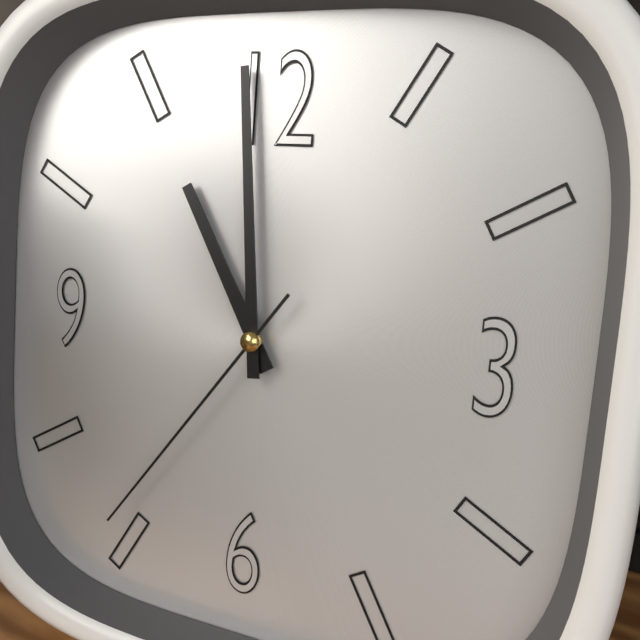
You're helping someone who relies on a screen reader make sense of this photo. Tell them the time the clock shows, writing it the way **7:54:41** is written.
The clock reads **10:59:36**
